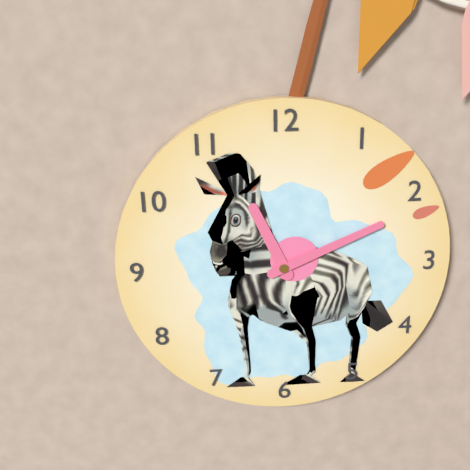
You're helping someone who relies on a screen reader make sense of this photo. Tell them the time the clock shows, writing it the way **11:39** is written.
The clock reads **11:11**
